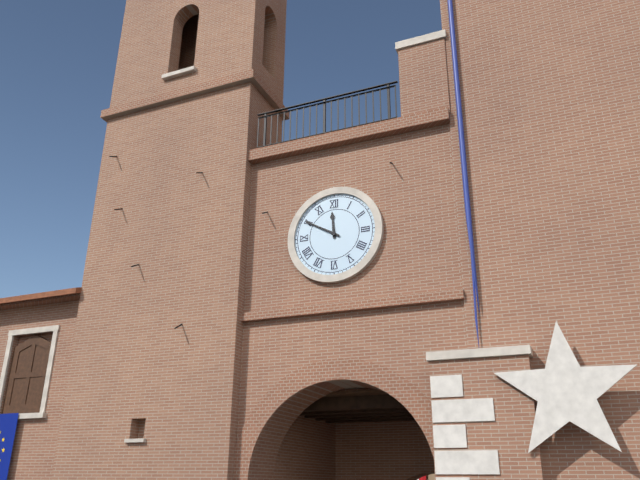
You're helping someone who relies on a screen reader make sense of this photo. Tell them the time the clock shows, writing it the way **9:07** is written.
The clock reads **11:50**
